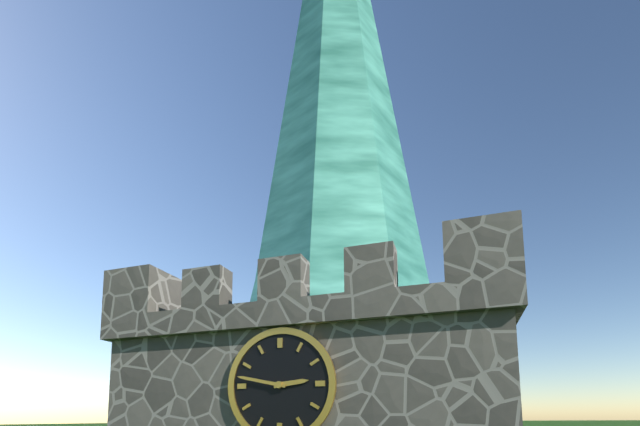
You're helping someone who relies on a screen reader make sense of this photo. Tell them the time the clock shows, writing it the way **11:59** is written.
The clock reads **2:47**
